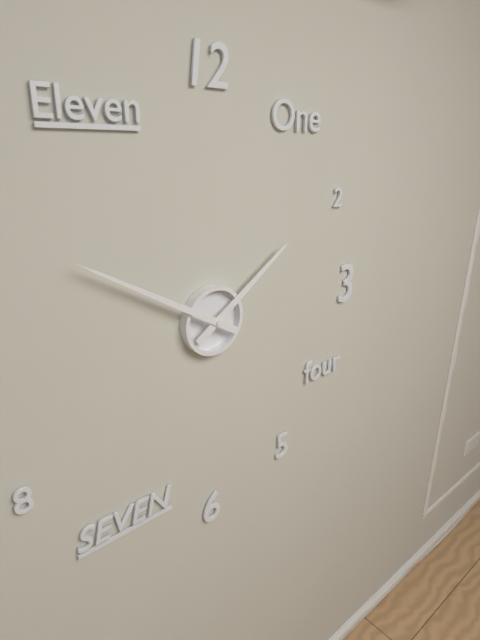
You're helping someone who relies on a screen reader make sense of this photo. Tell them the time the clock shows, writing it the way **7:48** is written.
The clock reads **1:50**
